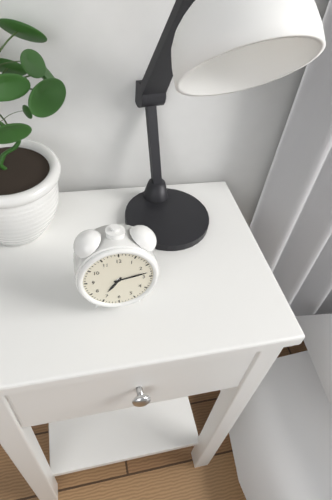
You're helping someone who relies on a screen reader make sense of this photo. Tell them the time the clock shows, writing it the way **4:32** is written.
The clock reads **7:13**
